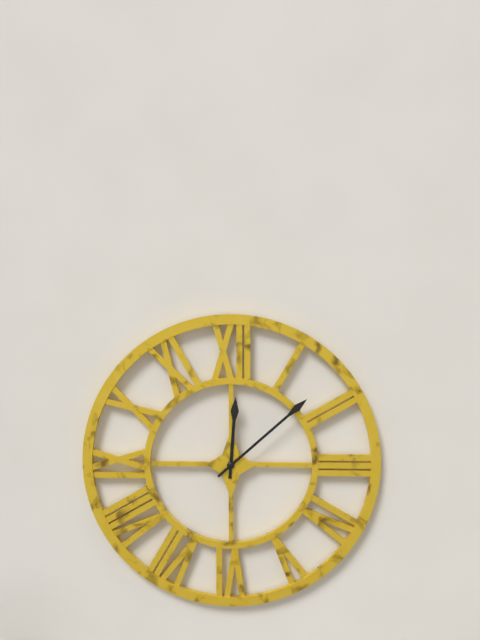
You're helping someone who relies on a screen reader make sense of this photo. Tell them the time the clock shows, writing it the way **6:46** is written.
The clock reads **12:08**
